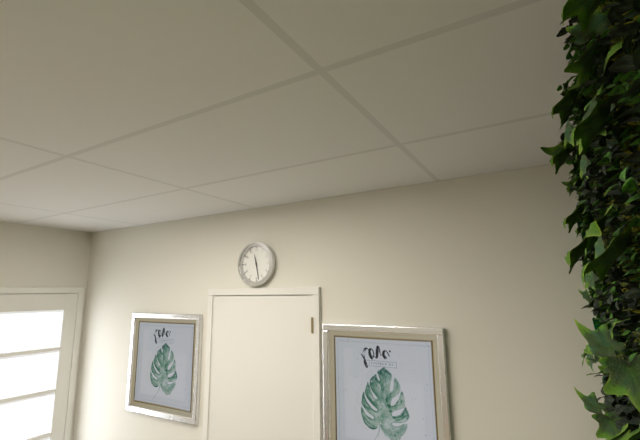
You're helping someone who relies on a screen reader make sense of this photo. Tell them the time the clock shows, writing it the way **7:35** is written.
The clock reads **11:28**
